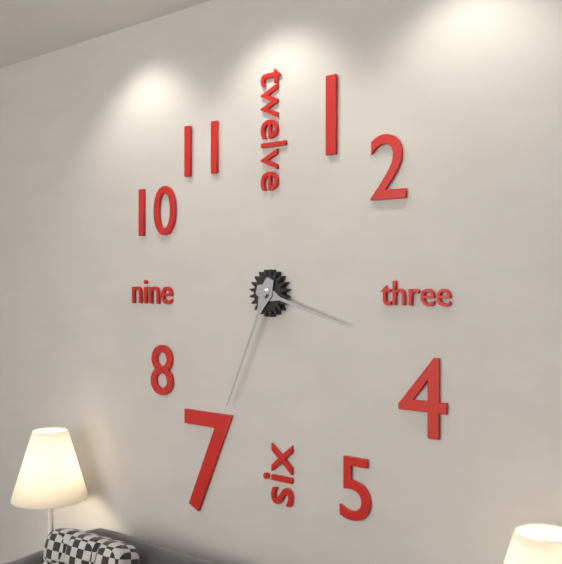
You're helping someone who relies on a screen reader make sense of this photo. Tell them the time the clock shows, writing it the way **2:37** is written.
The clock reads **3:34**
